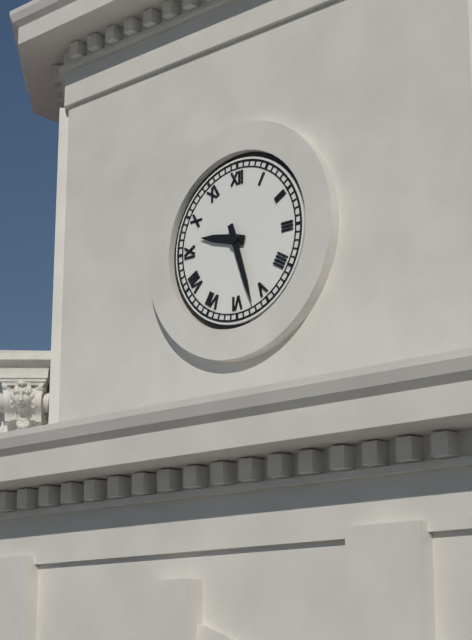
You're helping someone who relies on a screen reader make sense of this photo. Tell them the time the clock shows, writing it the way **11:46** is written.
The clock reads **9:27**
